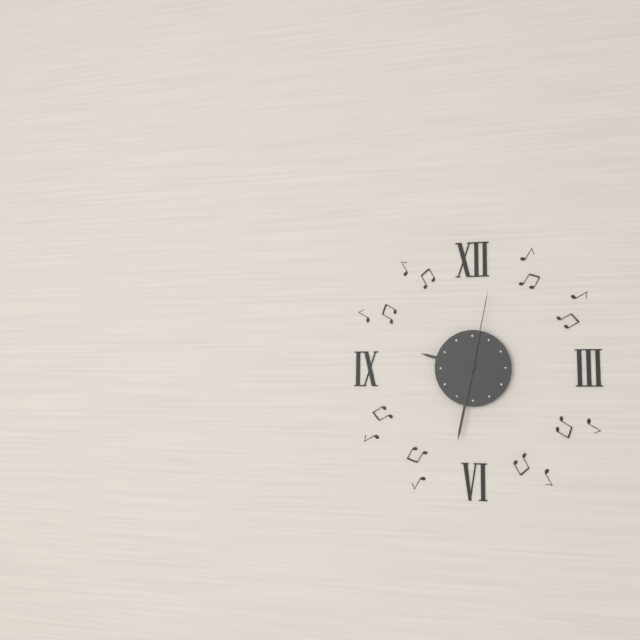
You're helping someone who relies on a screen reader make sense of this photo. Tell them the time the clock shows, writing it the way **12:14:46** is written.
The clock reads **9:32:02**
